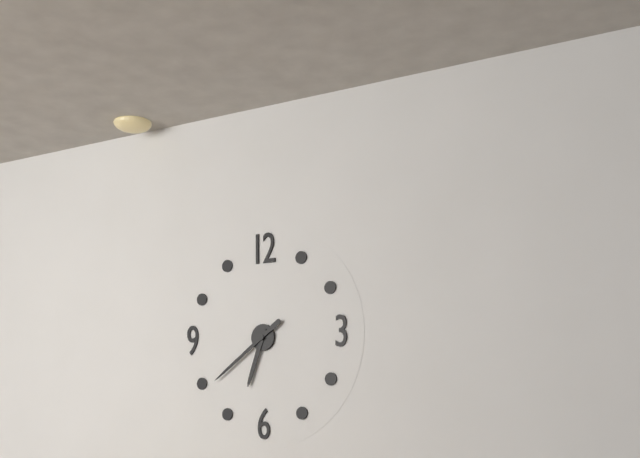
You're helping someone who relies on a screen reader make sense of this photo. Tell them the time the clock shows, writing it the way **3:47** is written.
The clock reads **6:39**
